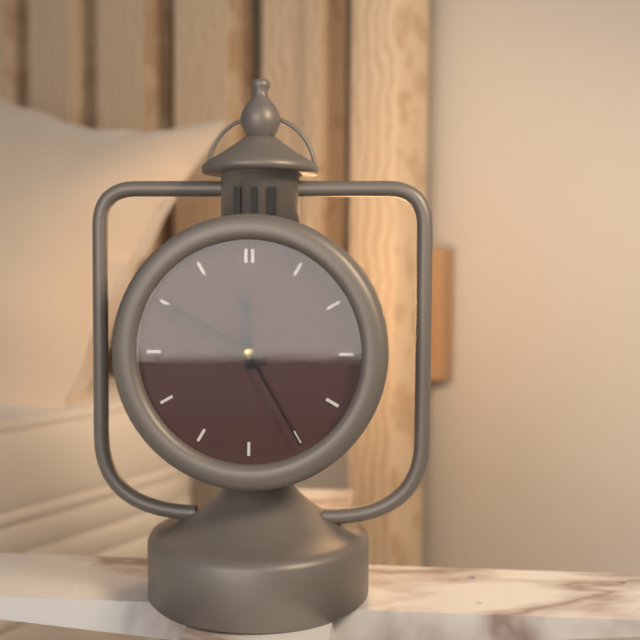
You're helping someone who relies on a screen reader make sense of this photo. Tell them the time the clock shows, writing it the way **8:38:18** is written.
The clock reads **11:50:25**
